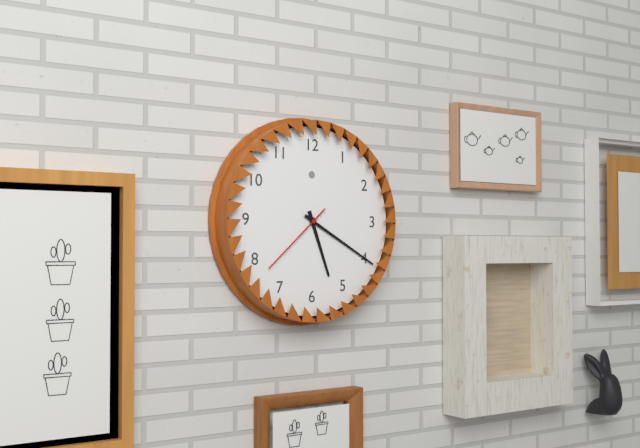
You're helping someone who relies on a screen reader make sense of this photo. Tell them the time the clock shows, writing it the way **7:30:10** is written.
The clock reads **5:20:38**
